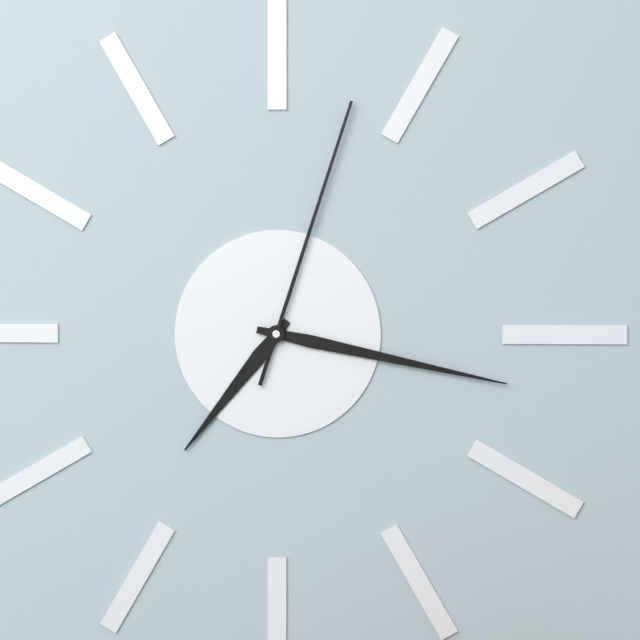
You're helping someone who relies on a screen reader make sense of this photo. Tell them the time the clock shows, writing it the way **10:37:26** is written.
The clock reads **7:17:03**
